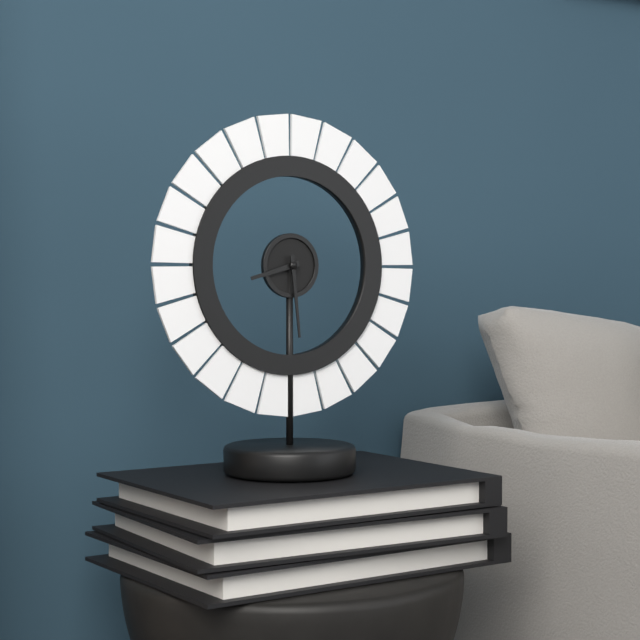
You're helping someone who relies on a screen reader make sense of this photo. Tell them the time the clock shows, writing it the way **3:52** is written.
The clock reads **8:29**
